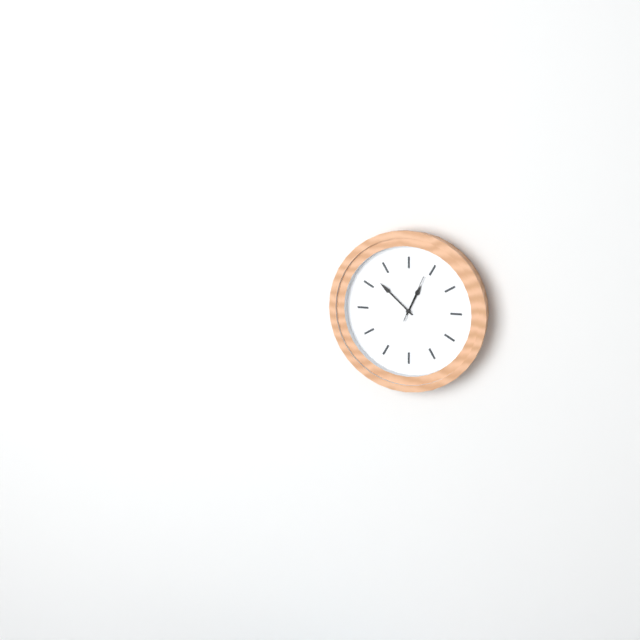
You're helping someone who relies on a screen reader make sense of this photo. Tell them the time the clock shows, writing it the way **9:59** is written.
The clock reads **12:52**
